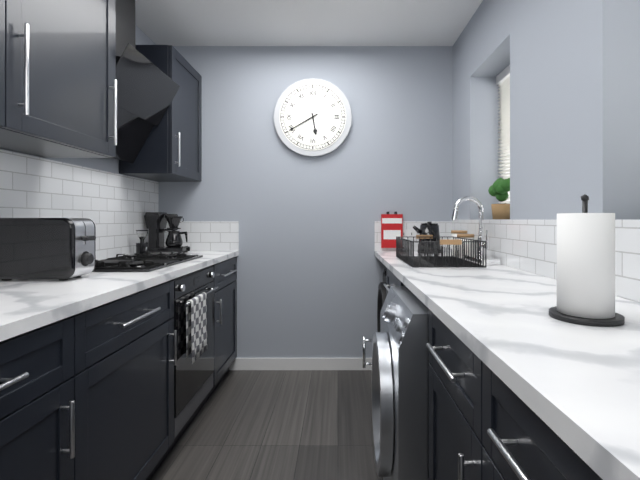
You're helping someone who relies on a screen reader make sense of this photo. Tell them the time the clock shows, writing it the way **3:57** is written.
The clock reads **5:40**
